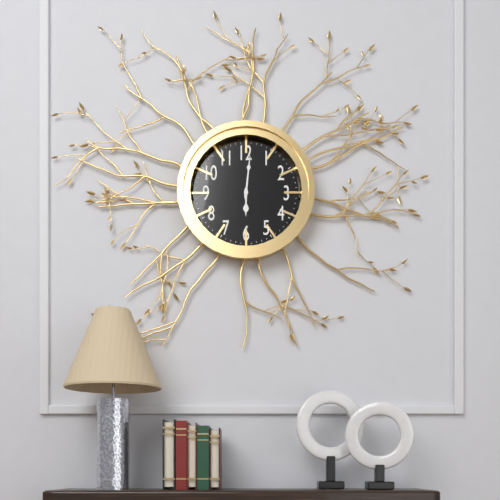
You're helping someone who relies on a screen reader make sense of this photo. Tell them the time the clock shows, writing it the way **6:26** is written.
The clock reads **6:01**
